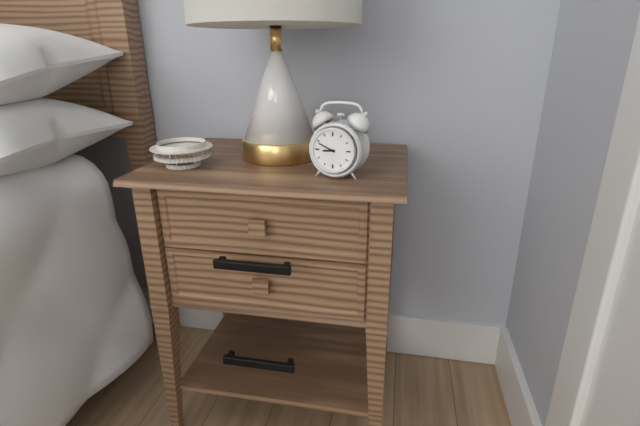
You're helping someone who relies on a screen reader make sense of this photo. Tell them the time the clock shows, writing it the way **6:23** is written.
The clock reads **8:49**
